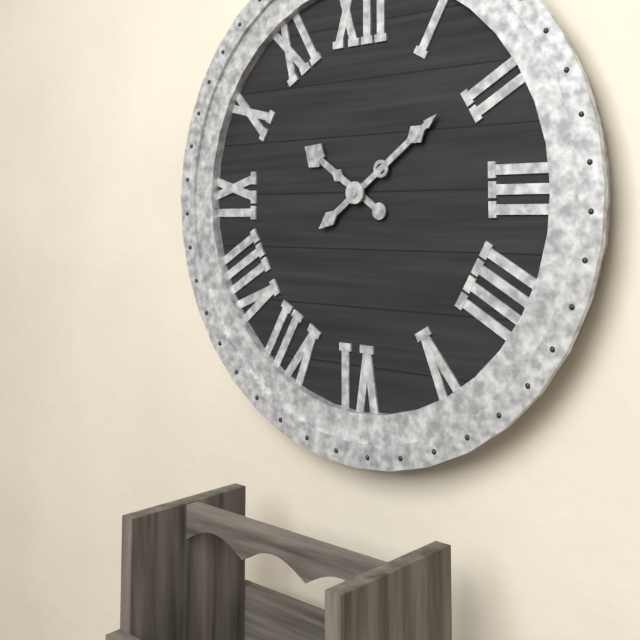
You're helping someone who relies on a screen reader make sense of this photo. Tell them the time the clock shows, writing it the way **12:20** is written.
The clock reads **10:09**
